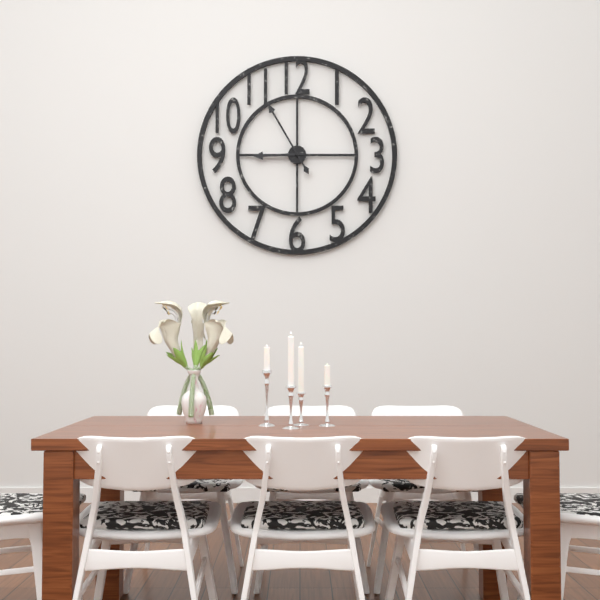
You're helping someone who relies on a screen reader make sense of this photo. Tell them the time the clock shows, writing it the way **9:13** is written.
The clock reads **8:55**
